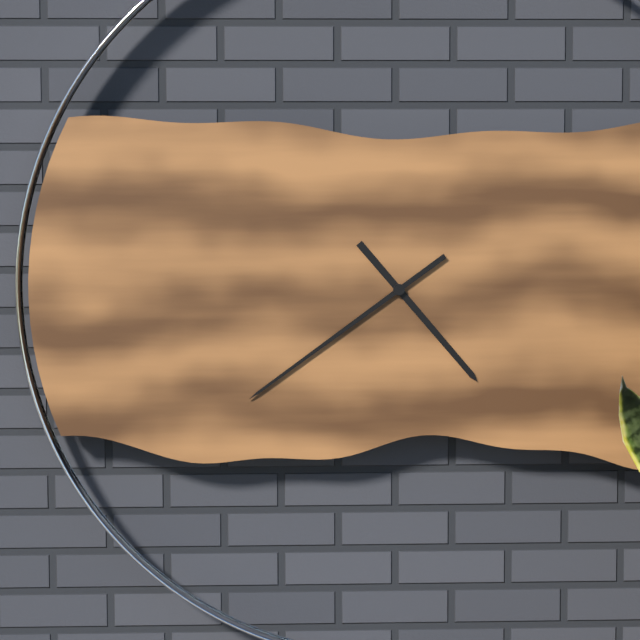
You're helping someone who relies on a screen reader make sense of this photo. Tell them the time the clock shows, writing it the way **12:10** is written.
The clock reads **4:39**
